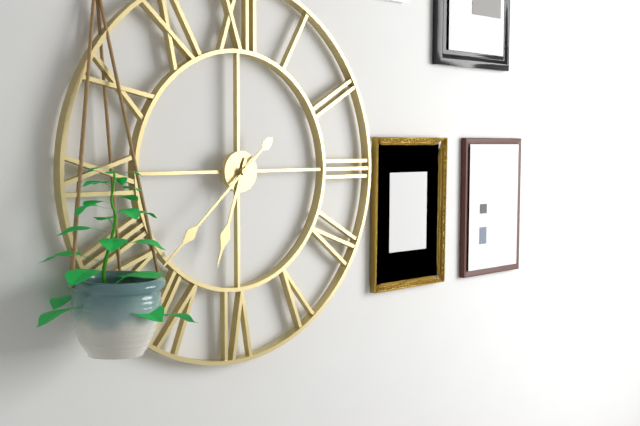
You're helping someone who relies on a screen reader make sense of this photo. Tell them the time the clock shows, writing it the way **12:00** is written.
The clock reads **6:38**
